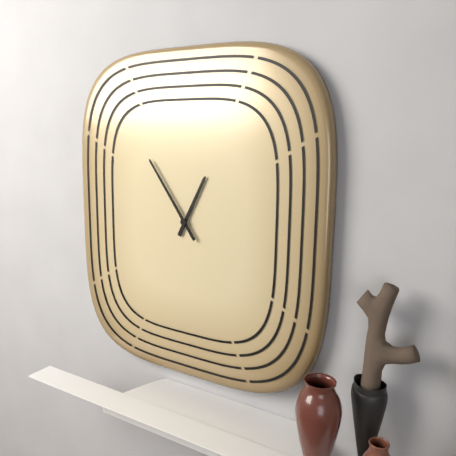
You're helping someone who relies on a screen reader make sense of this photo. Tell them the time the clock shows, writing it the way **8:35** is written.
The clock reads **12:54**
